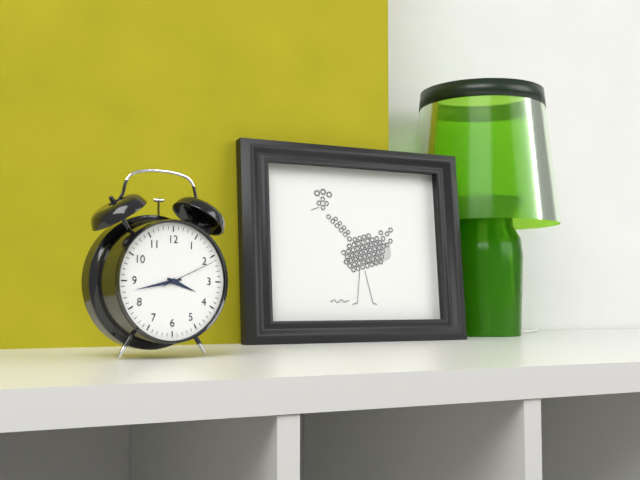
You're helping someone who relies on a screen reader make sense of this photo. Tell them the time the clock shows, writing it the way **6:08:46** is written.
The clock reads **3:43:11**
